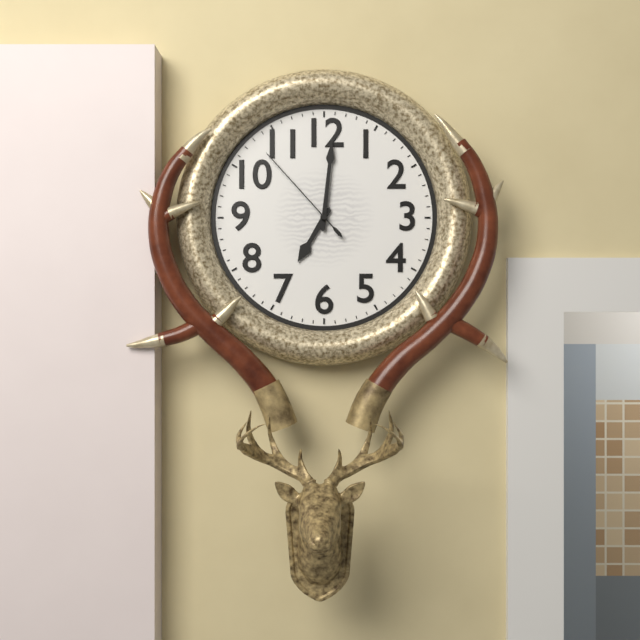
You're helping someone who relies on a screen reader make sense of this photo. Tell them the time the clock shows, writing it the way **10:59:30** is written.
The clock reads **7:01:53**
